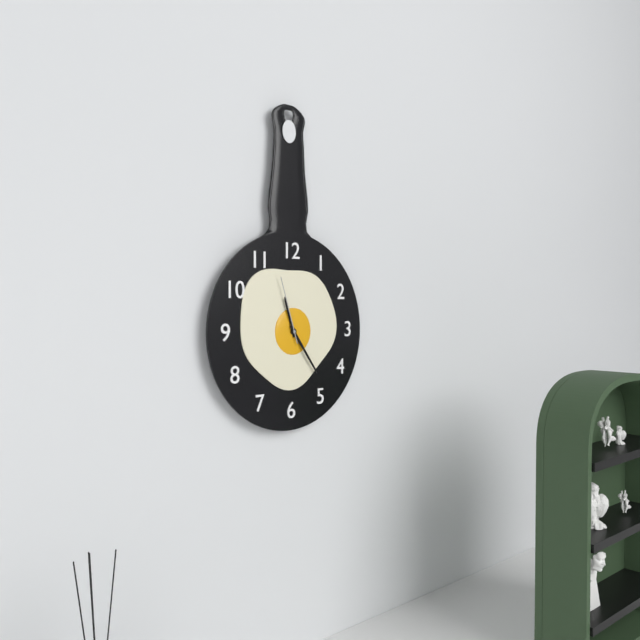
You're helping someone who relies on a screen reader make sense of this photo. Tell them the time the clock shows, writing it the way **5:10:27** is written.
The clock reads **11:24:57**
